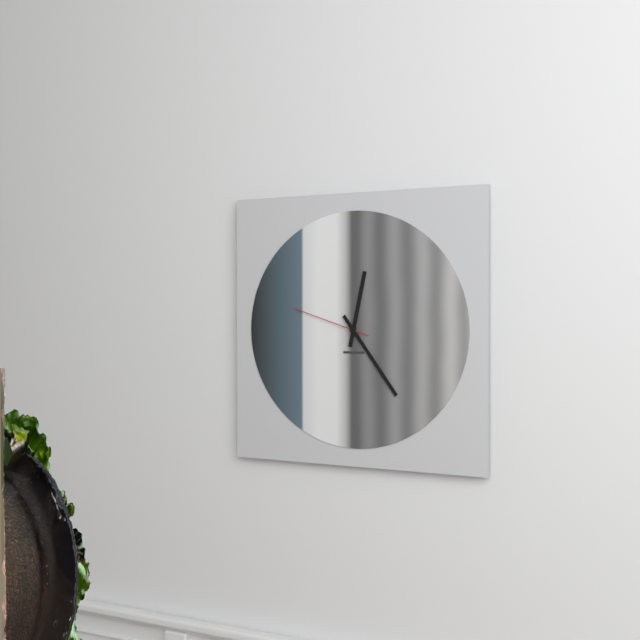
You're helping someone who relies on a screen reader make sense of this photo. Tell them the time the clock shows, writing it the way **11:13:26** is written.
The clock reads **12:24:48**
